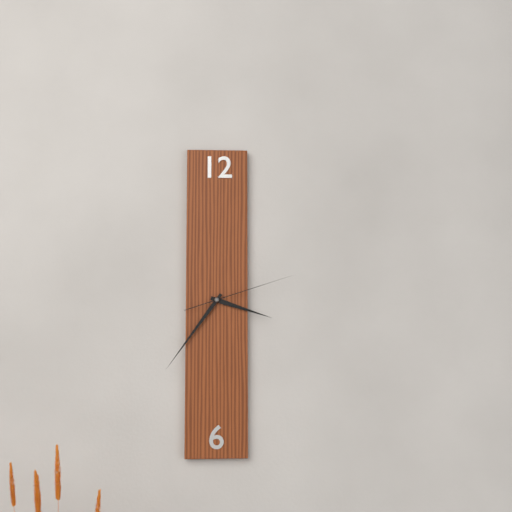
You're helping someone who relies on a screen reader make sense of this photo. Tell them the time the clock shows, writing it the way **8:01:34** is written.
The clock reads **3:36:12**
